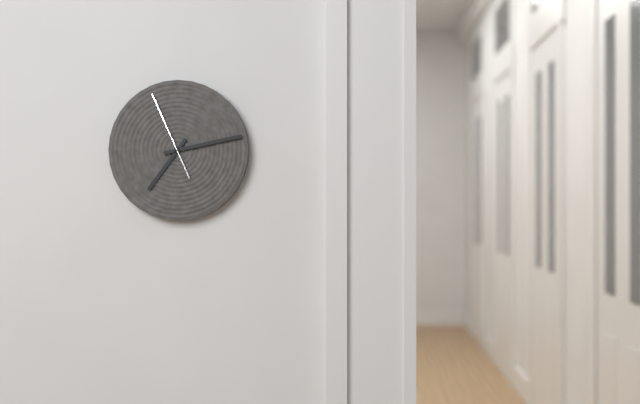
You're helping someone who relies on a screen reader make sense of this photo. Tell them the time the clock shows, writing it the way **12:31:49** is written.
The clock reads **7:13:56**
